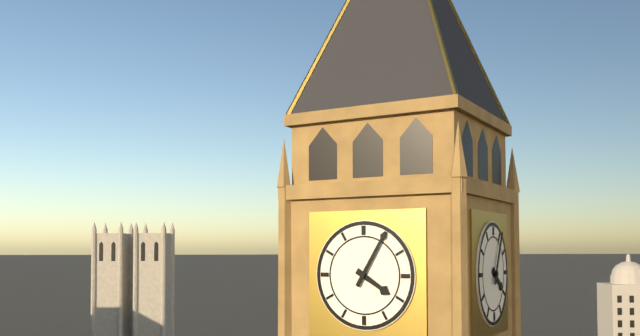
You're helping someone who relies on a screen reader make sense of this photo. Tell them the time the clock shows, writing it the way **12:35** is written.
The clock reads **4:05**
